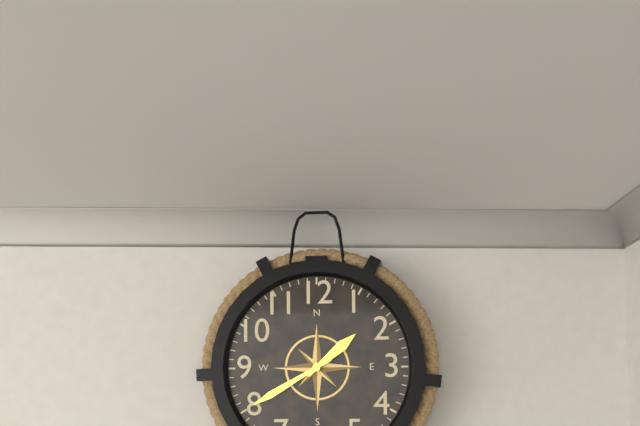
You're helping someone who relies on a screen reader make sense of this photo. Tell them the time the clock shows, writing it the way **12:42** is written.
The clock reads **1:40**
